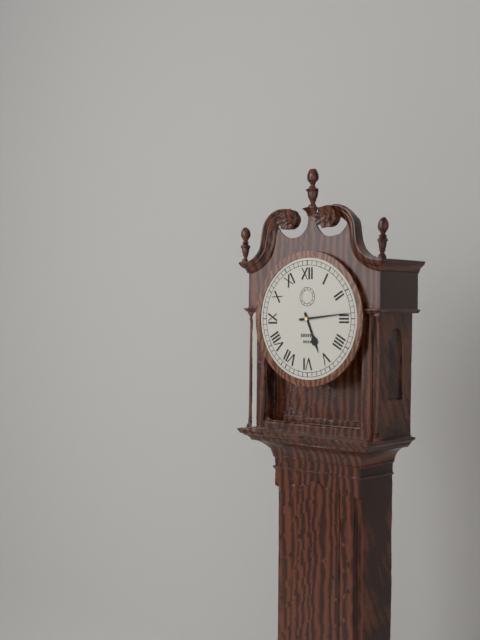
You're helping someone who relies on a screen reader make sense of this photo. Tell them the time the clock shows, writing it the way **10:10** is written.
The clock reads **5:14**
